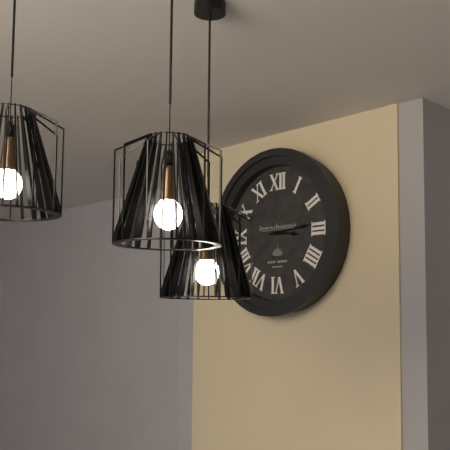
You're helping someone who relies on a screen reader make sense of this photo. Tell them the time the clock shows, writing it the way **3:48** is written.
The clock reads **3:14**
